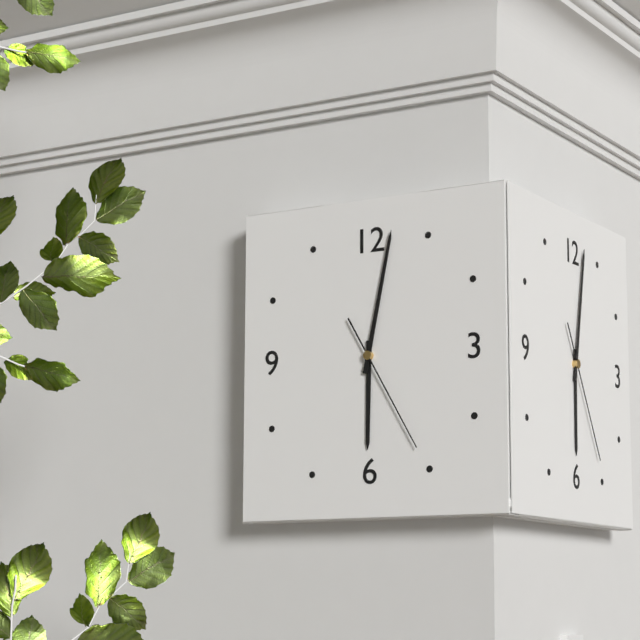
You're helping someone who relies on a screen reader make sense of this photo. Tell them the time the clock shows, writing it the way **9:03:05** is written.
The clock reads **6:02:25**
